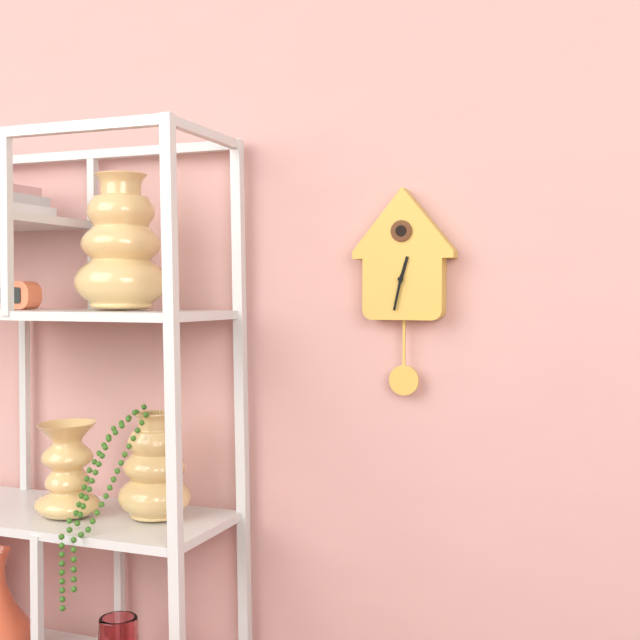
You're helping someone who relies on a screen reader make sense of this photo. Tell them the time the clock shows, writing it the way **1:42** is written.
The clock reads **12:32**
